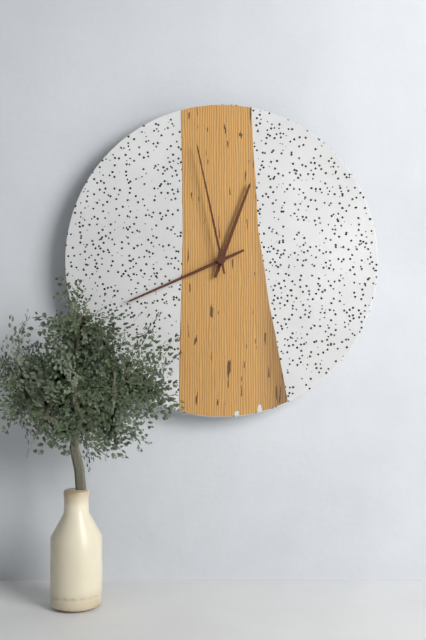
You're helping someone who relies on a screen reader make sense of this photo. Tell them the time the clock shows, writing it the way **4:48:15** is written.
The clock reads **12:41:58**
